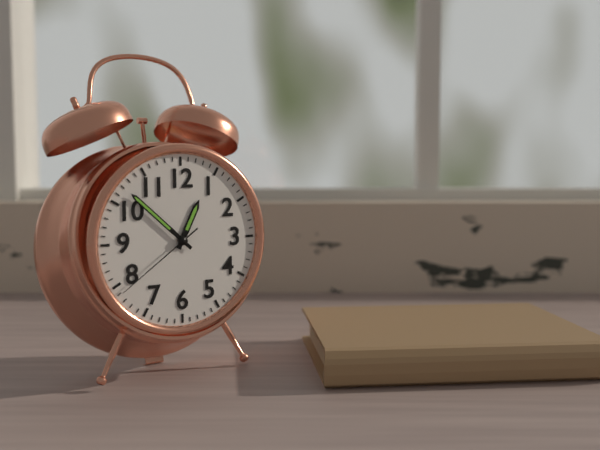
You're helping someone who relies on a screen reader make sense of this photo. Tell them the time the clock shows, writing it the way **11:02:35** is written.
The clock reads **12:52:39**
